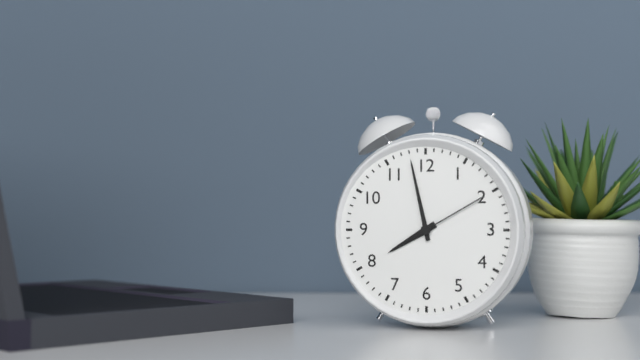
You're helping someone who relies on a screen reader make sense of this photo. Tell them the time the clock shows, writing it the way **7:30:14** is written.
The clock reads **7:58:10**
